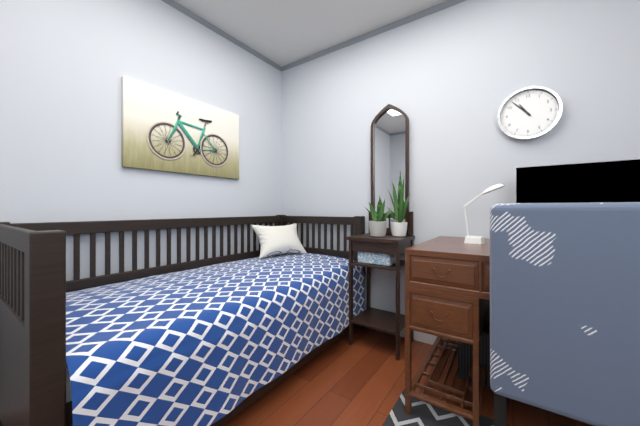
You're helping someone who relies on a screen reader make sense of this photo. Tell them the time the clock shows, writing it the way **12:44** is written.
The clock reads **10:53**
